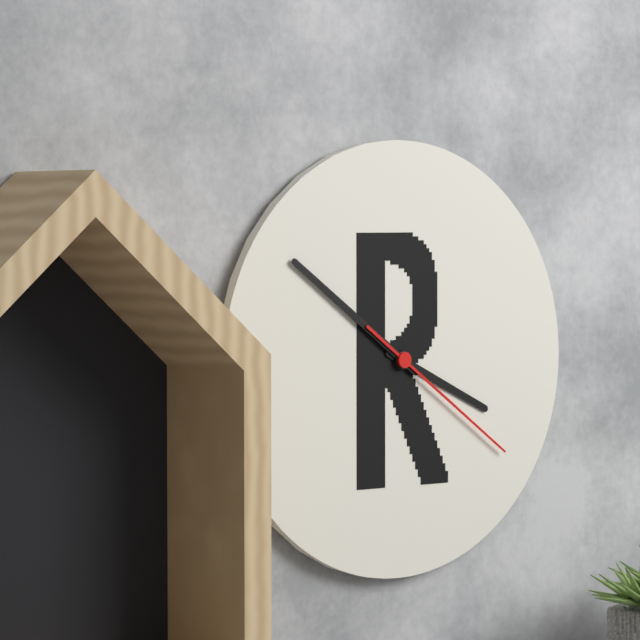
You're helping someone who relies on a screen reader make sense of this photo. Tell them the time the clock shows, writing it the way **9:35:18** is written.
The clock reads **3:51:21**
